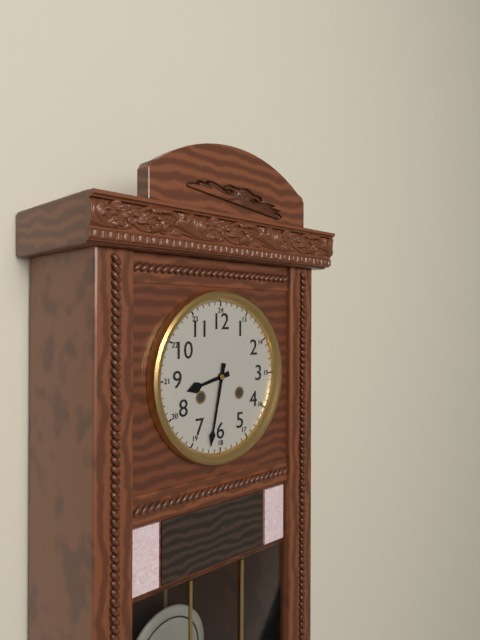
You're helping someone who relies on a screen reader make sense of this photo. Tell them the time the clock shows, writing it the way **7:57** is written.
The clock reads **8:32**
